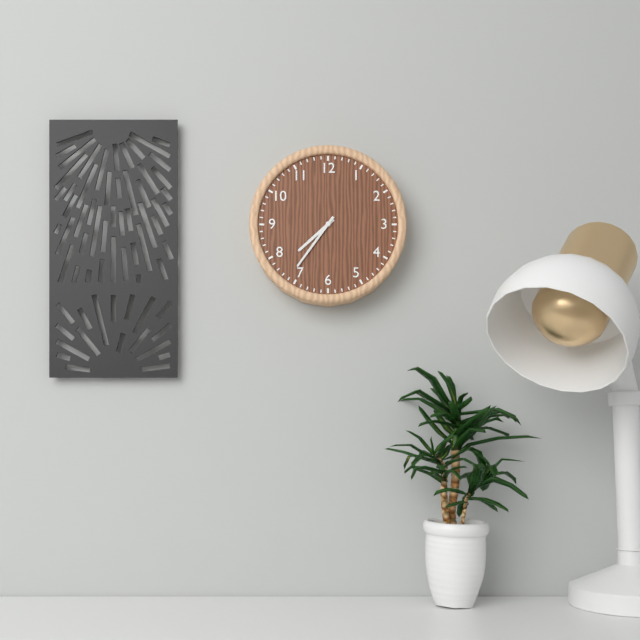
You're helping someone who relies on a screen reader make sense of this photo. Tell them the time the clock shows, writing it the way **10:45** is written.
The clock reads **7:36**
